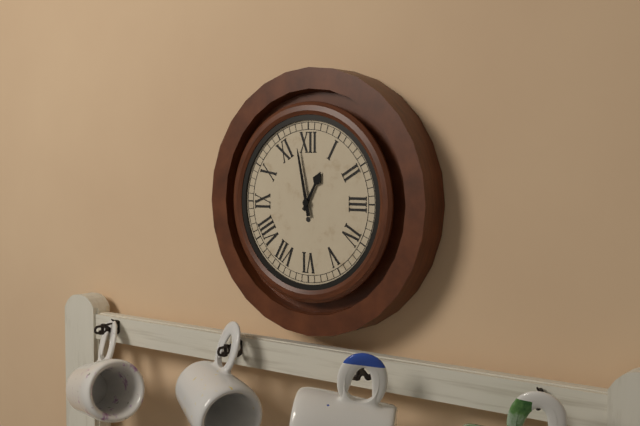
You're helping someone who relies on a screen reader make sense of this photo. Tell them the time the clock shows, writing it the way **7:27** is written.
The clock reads **12:58**
